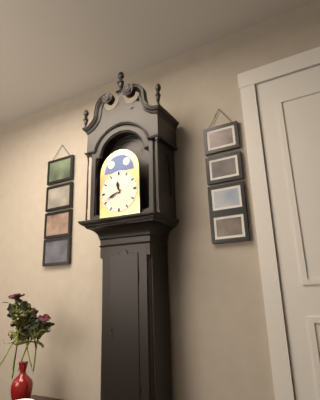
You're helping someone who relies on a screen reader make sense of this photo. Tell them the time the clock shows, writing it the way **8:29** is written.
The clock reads **11:41**
